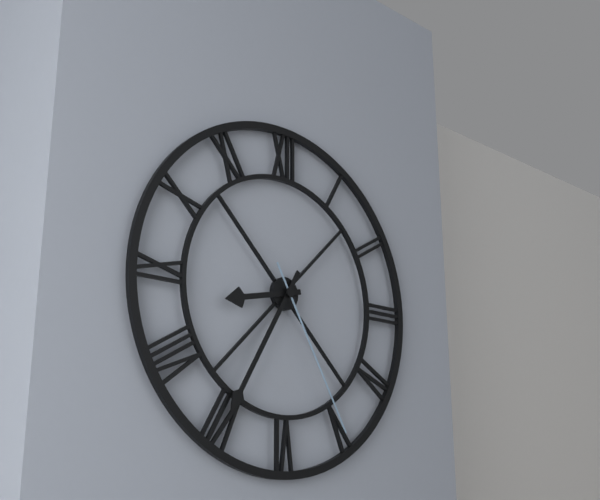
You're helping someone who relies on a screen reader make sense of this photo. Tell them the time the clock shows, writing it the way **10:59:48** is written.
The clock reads **8:35:25**
